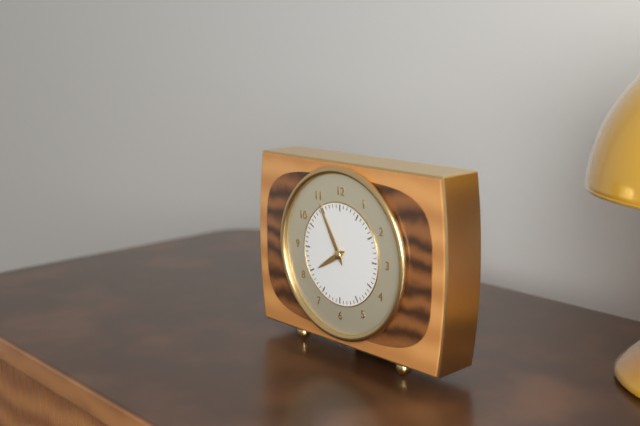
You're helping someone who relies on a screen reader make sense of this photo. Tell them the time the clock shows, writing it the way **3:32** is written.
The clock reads **7:55**
